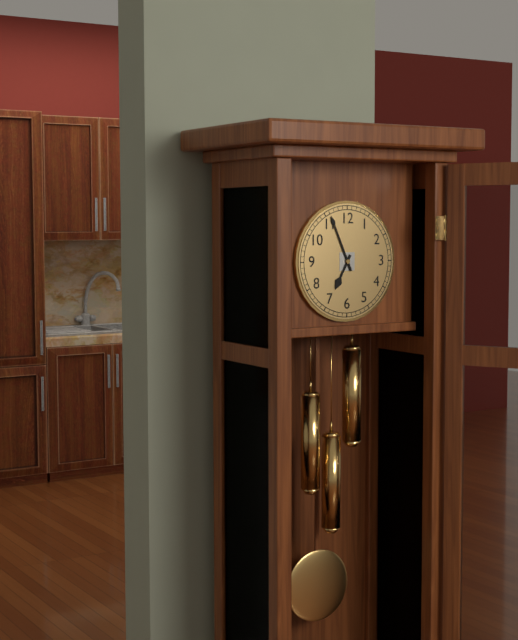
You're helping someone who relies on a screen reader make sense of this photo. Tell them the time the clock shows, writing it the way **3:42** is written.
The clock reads **6:56**
